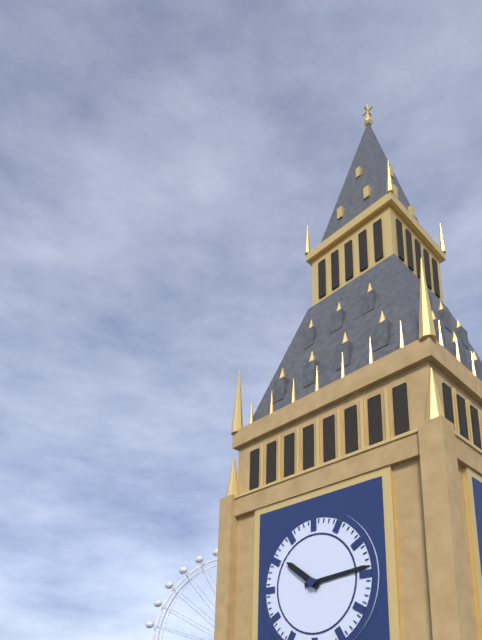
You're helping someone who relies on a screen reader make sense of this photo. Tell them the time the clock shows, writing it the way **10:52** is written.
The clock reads **10:14**
